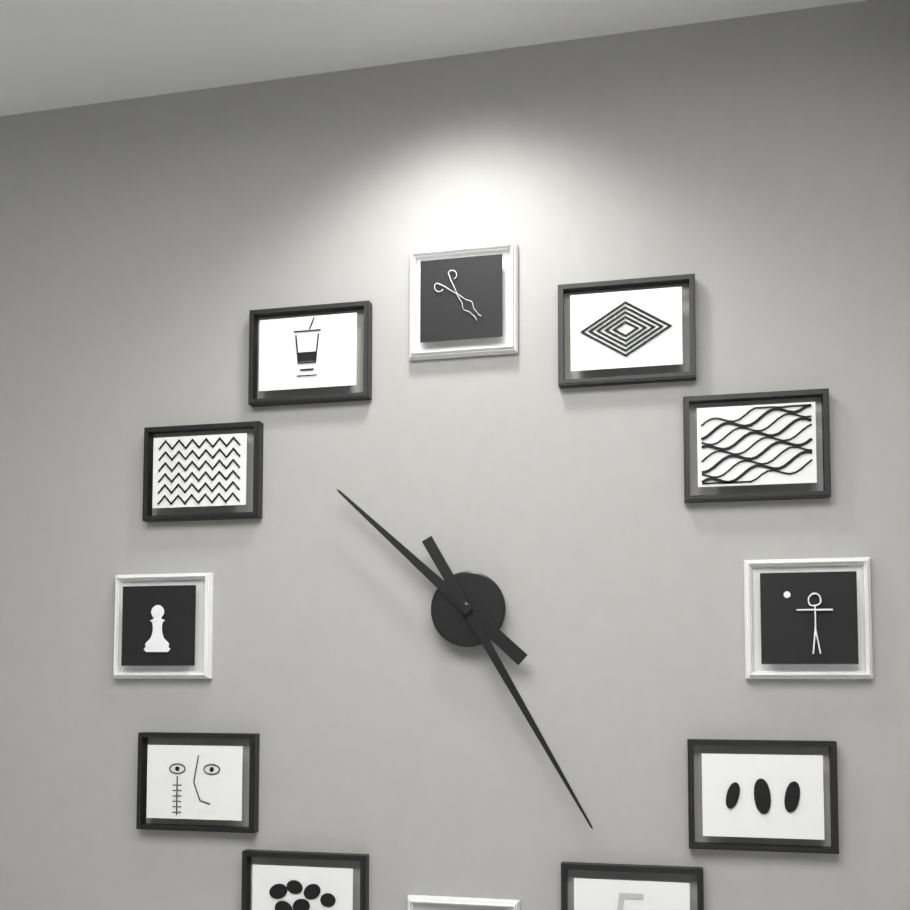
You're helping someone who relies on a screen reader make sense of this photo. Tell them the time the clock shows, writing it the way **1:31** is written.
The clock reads **10:25**
